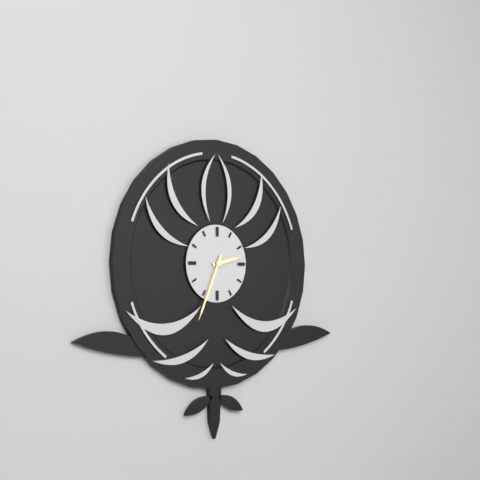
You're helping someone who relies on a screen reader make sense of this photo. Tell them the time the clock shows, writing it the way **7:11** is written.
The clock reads **2:34**
